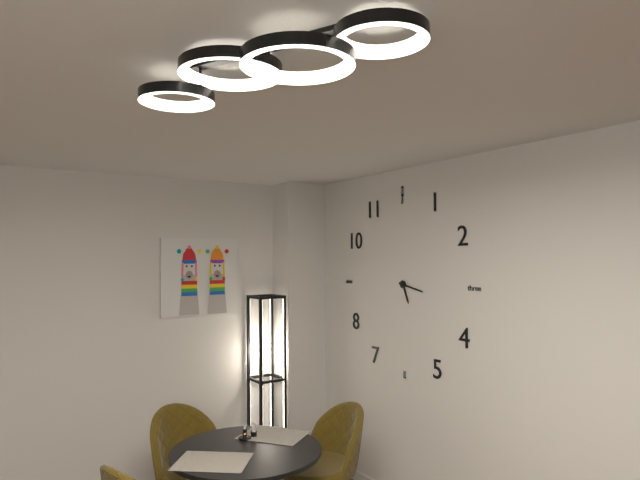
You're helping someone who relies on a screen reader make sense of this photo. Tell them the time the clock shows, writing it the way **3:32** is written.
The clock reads **5:17**
